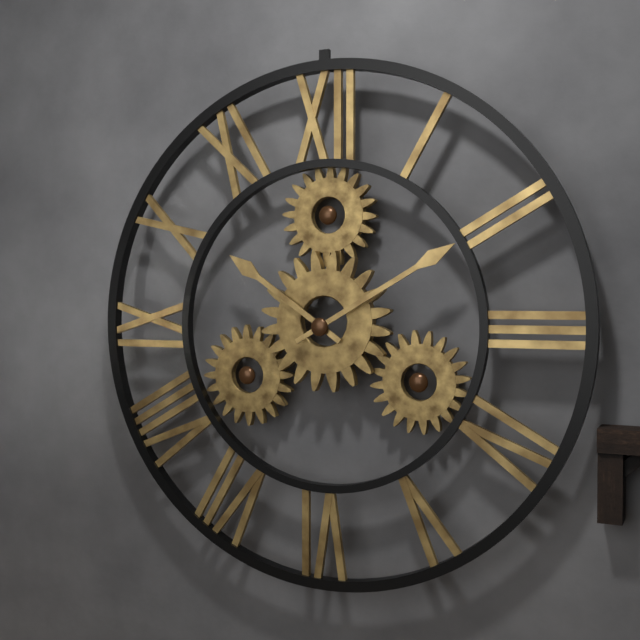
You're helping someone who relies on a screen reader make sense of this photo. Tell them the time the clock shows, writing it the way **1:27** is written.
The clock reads **10:10**
